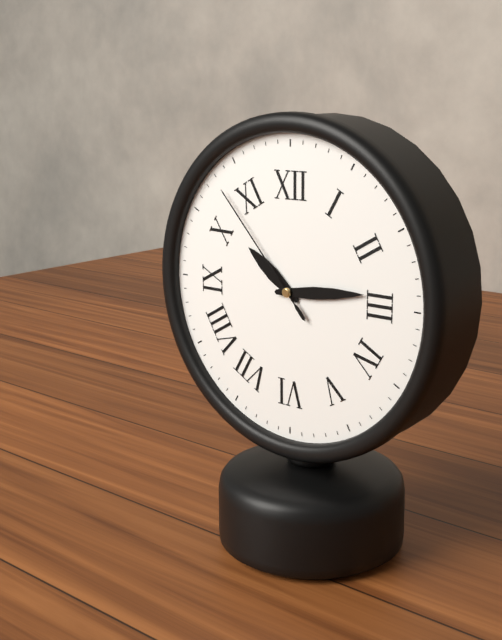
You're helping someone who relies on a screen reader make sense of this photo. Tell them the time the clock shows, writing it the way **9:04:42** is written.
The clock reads **10:14:53**
